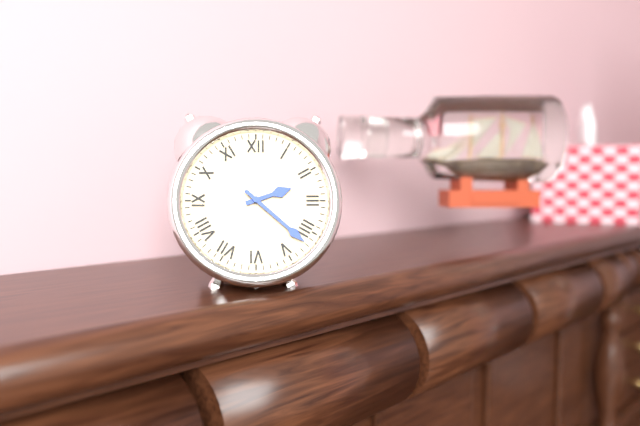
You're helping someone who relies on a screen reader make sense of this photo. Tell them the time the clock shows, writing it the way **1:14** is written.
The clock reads **2:22**
